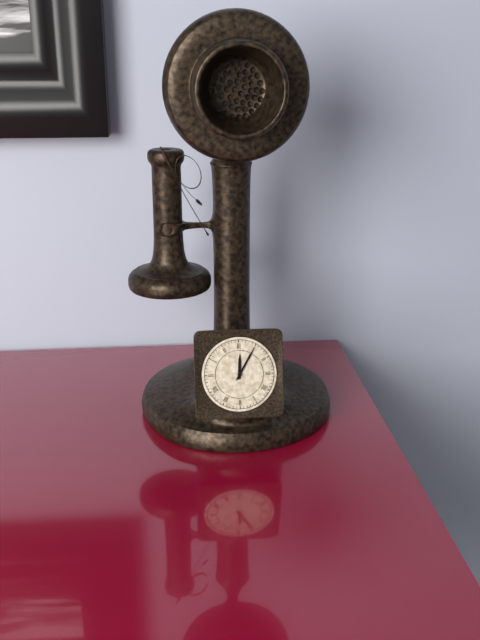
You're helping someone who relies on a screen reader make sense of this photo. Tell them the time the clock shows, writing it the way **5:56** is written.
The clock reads **12:05**
